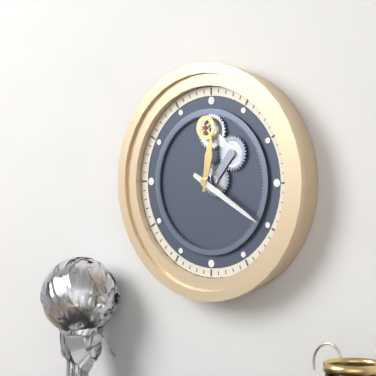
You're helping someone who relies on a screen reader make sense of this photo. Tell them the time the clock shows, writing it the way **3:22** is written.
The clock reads **12:20**
